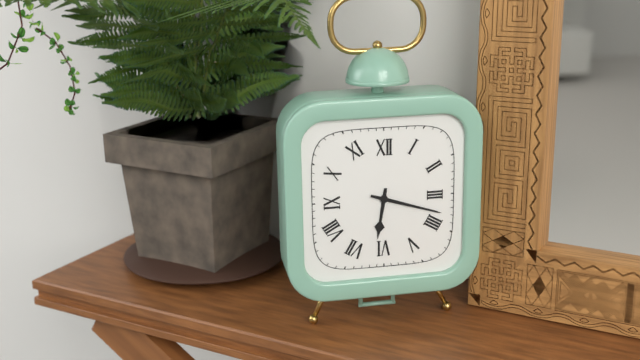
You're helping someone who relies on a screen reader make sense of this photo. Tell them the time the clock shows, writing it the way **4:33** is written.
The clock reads **6:18**
